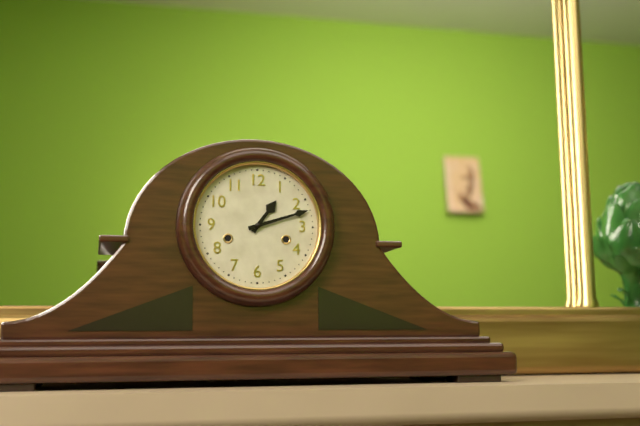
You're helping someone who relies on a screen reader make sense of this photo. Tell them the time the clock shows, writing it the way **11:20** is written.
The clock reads **1:12**
